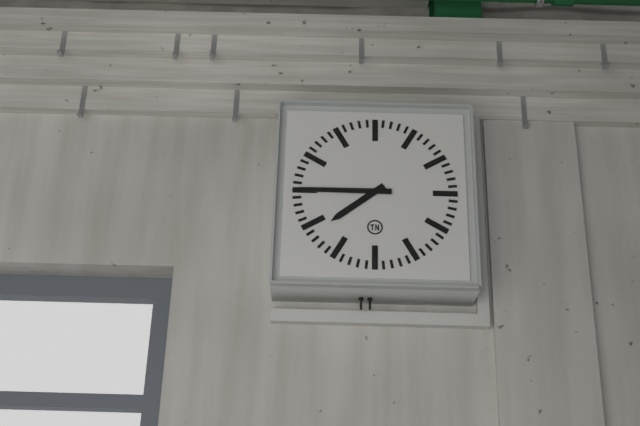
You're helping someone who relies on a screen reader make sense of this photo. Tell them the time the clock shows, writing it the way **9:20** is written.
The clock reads **7:45**
